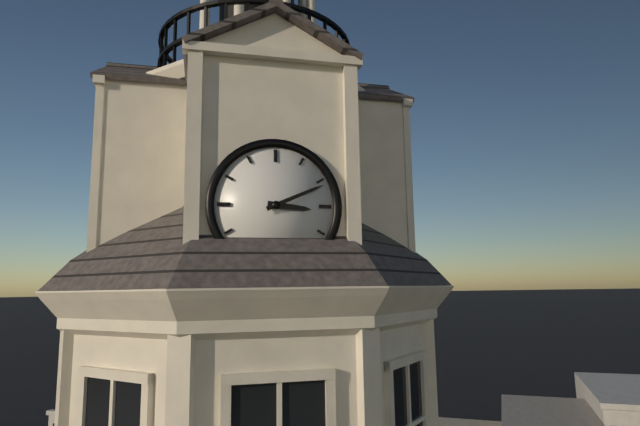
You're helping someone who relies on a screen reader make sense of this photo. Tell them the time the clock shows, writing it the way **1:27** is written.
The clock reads **3:11**
